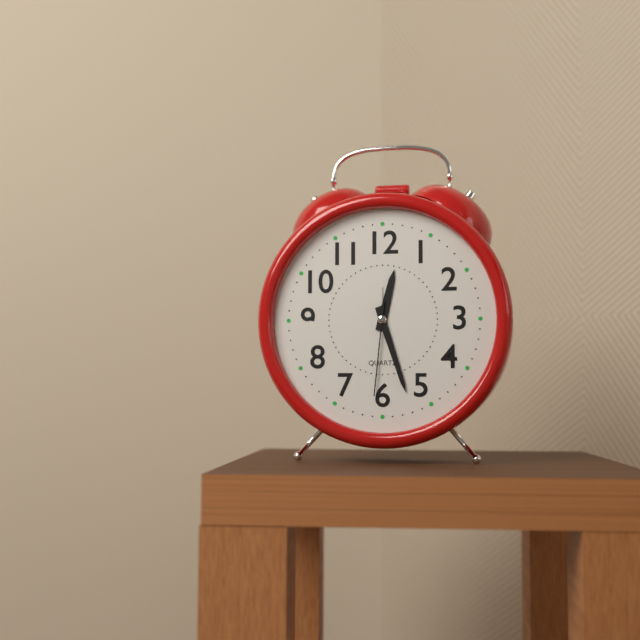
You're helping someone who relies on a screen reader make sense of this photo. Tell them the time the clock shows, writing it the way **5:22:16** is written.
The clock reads **12:27:31**
